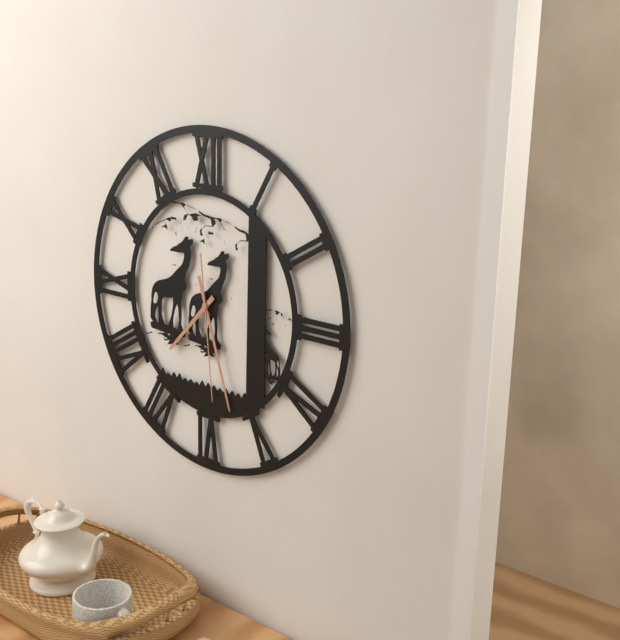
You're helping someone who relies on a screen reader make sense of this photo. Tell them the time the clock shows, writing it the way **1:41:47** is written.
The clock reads **7:27:29**
